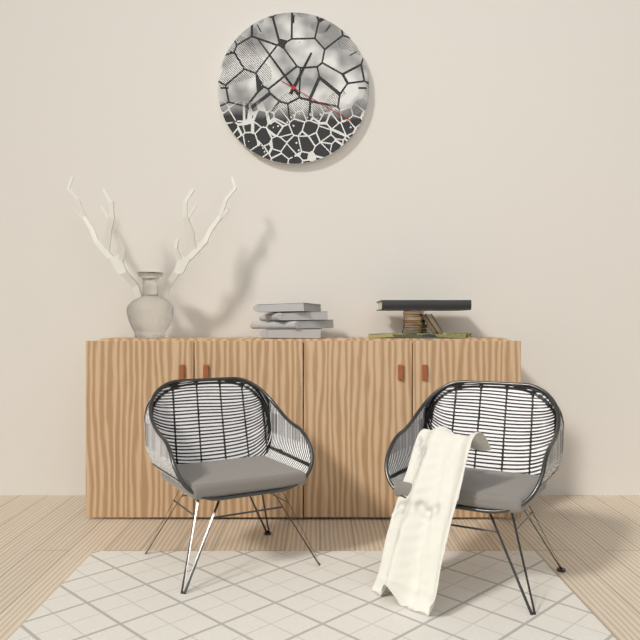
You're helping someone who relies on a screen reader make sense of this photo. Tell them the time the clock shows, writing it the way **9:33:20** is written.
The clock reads **12:54:20**
